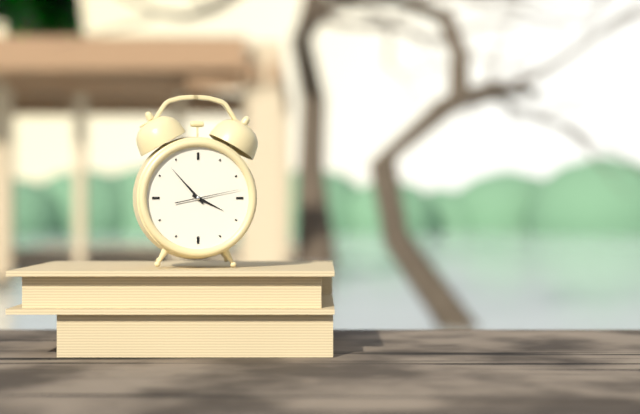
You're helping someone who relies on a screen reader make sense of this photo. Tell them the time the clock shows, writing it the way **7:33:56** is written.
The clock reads **3:53:13**
